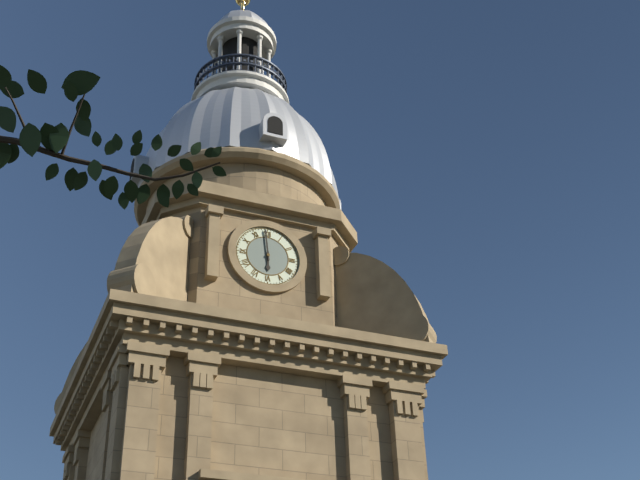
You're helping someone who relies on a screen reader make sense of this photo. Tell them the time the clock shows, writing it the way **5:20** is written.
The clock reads **5:59**
